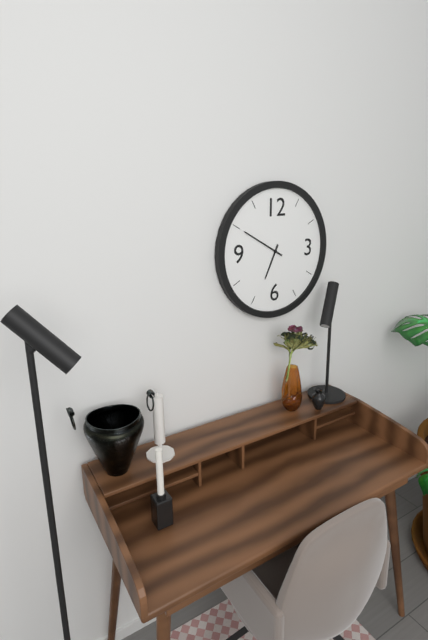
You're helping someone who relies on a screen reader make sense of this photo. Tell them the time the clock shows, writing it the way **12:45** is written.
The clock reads **6:50**
